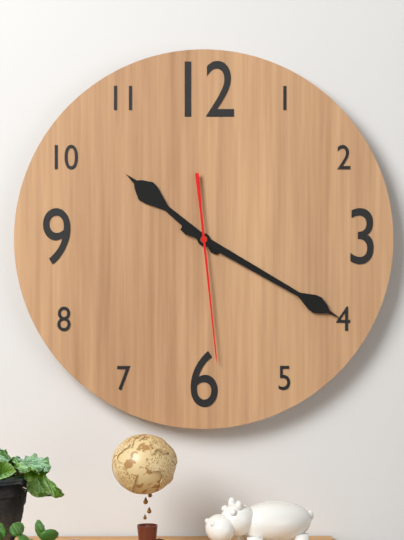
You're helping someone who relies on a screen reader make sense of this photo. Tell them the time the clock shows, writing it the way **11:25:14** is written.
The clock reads **10:20:29**
